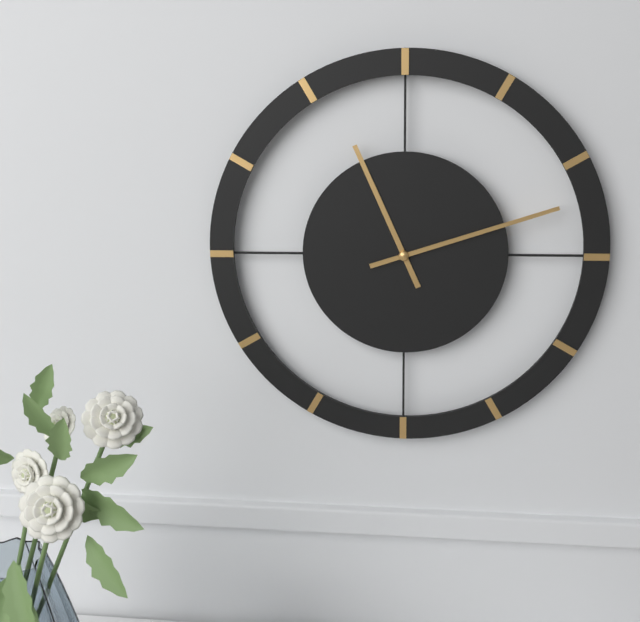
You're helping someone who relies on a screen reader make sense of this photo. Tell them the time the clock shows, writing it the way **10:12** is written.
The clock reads **11:12**
